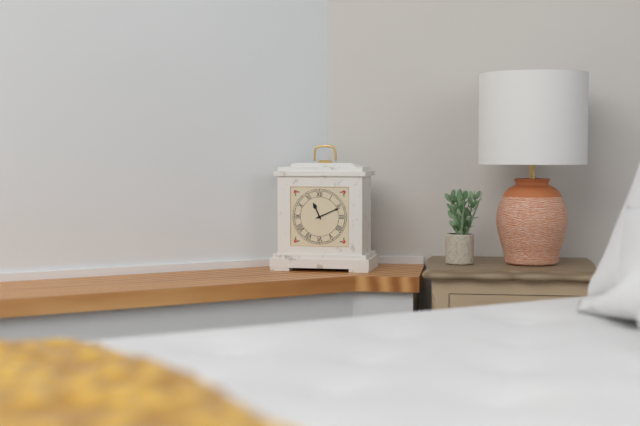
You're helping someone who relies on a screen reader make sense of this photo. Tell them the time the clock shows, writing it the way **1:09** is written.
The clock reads **11:11**
